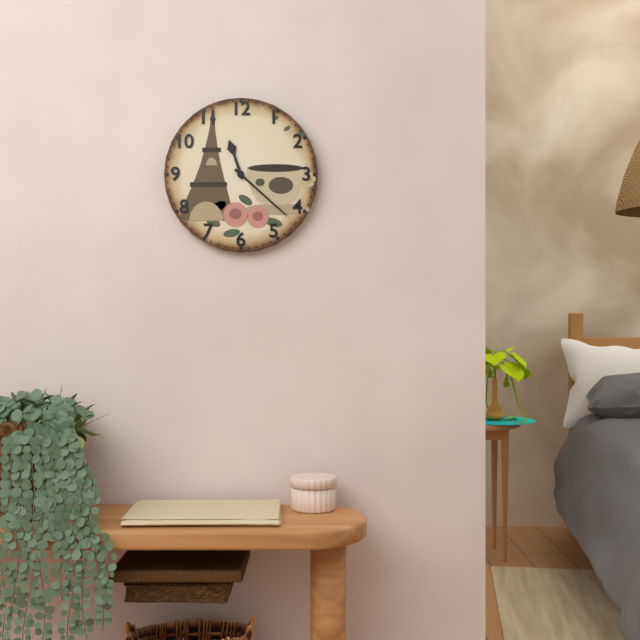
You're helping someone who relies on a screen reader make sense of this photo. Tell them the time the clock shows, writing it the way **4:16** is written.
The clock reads **11:22**
